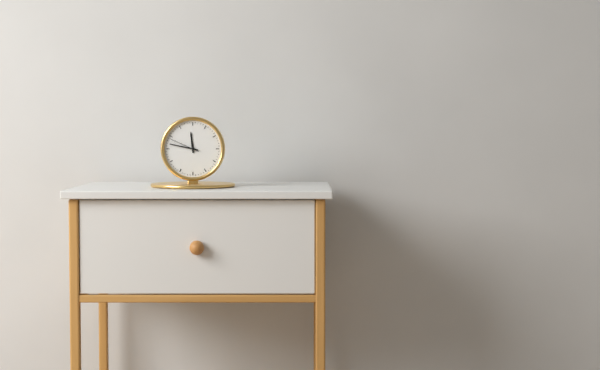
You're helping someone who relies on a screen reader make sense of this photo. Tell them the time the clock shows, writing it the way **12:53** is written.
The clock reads **11:47**
